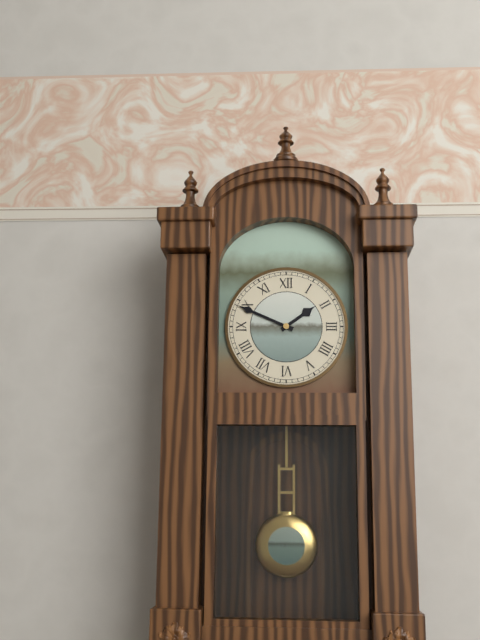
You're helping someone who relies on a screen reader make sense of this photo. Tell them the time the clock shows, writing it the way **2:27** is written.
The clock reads **1:49**
